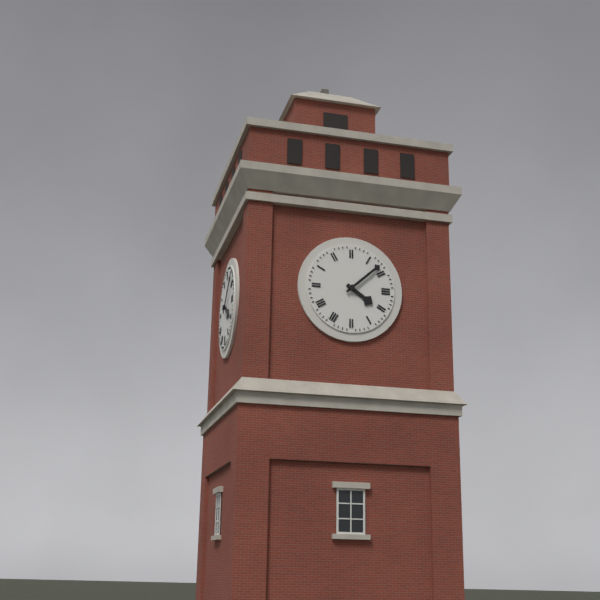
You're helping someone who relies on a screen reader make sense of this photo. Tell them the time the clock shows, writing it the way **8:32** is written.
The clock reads **4:08**
